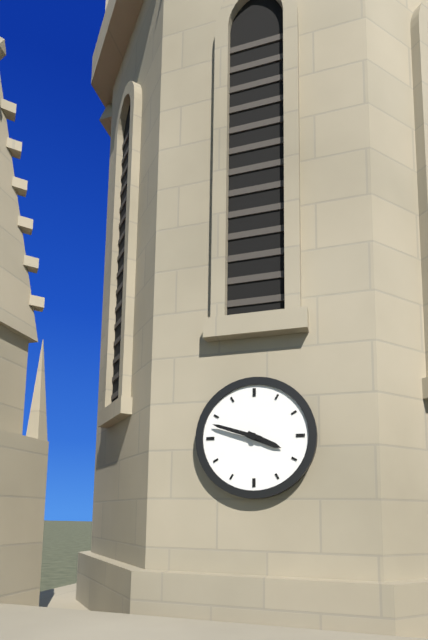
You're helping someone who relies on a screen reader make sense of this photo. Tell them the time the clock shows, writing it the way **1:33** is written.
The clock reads **3:48**
